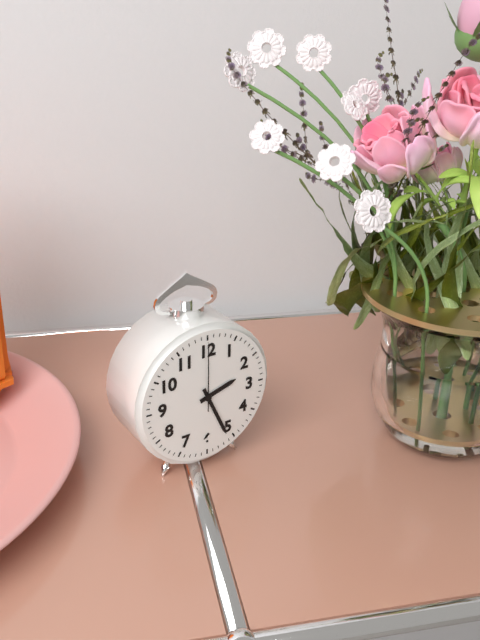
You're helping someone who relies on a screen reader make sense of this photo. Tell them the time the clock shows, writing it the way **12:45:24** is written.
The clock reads **2:26:00**
